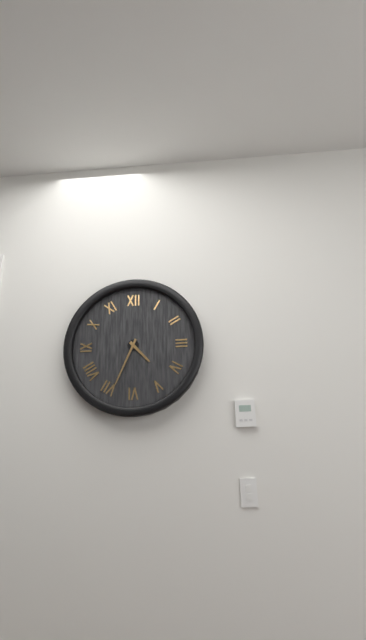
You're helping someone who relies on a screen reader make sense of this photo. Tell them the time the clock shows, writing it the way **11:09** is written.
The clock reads **4:34**
